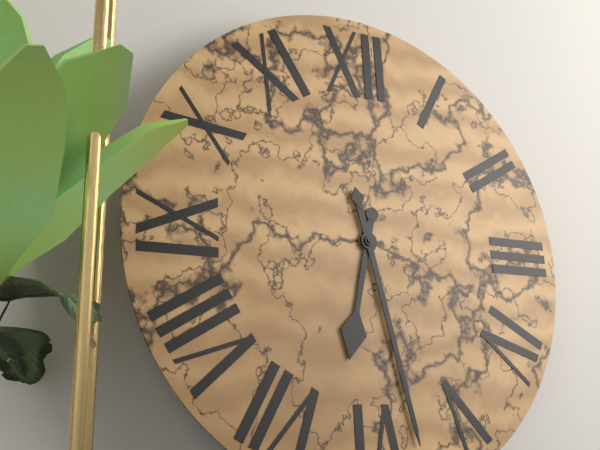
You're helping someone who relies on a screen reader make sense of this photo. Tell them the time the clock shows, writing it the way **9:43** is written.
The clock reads **6:28**
